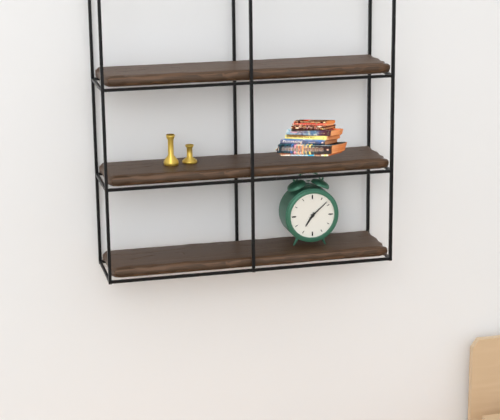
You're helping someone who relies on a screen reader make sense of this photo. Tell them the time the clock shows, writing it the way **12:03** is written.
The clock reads **7:08**
